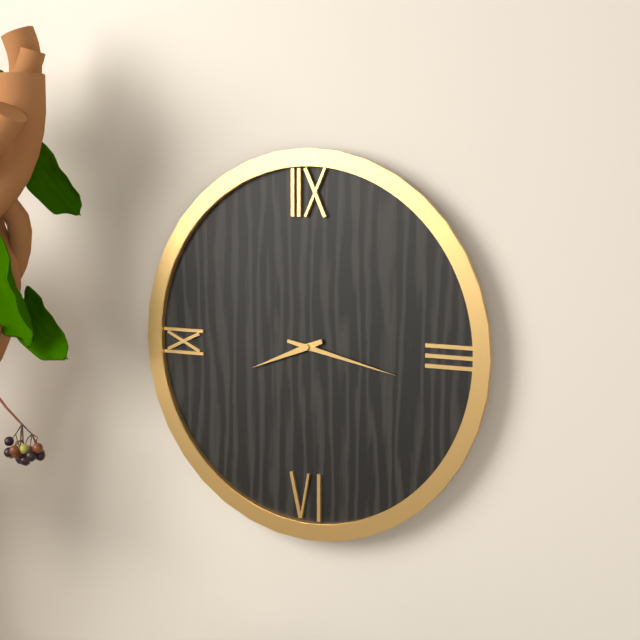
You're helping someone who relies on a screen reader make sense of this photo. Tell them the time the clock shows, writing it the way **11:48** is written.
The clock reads **8:17**
